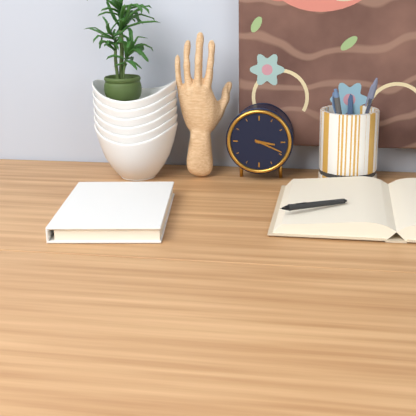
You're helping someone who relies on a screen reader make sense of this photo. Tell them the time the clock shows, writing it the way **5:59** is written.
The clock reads **3:19**
